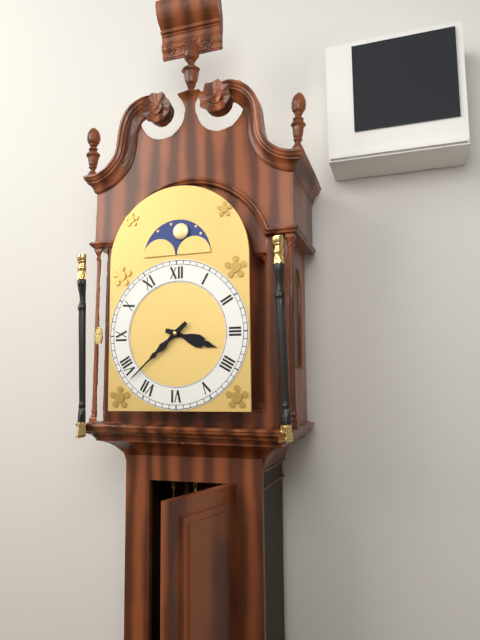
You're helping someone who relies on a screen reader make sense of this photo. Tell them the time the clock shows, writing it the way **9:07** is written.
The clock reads **3:38**
